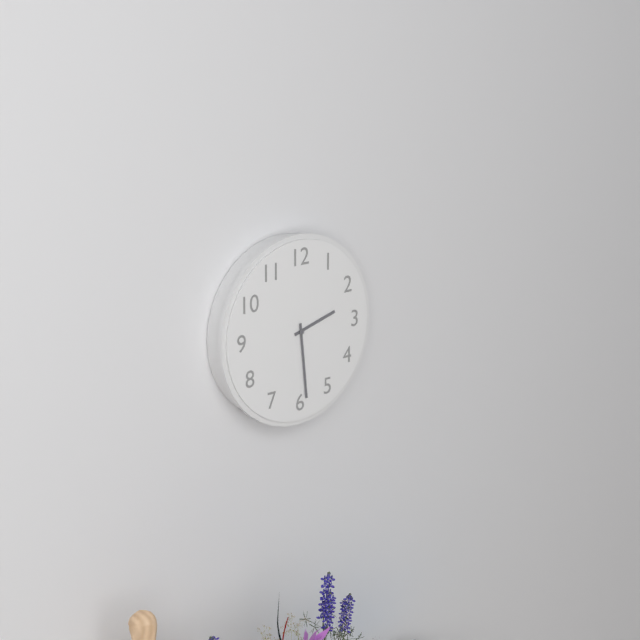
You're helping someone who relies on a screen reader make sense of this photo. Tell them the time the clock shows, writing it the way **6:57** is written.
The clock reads **2:29**
